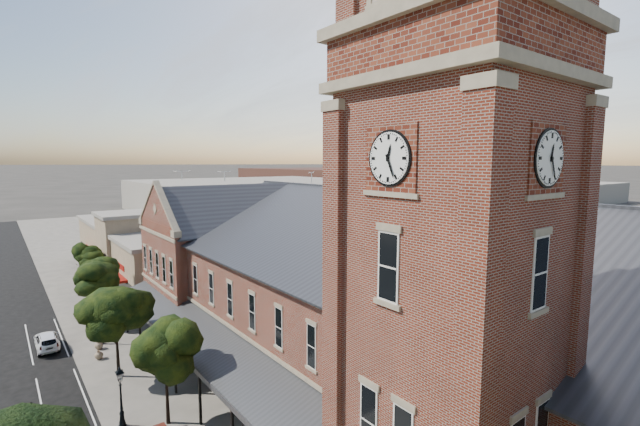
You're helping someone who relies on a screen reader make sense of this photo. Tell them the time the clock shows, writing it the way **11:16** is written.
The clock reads **12:26**
